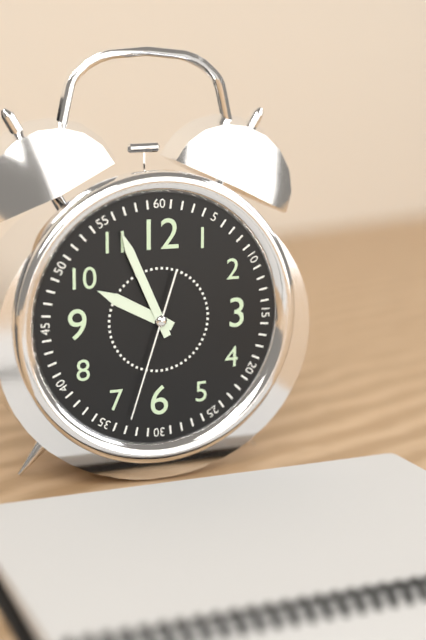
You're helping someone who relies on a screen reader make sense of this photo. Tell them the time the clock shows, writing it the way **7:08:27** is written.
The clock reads **9:56:33**
